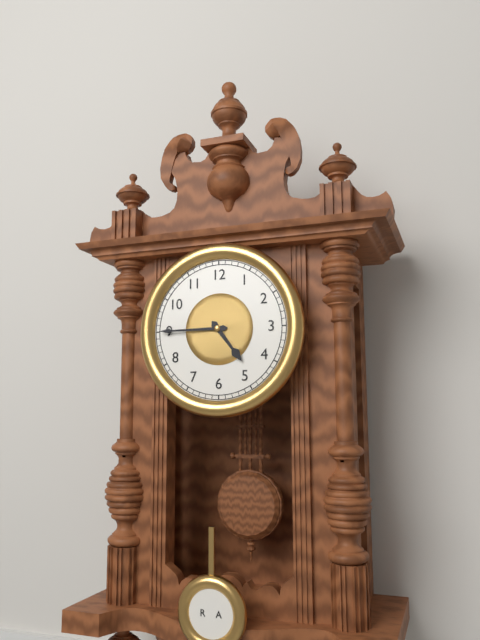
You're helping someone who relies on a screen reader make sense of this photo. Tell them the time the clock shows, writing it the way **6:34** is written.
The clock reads **4:45**
